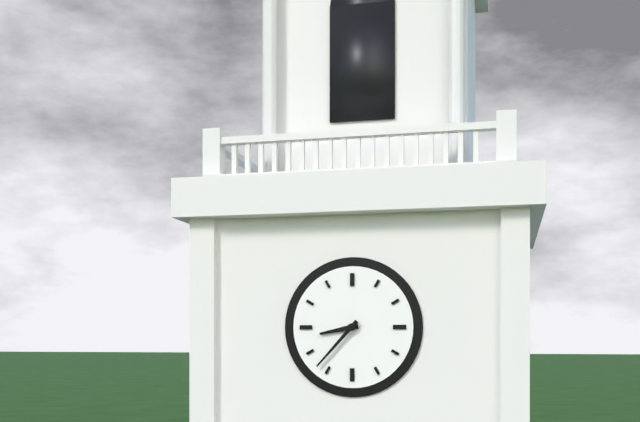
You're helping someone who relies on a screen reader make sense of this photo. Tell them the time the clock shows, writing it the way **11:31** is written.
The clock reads **8:37**
